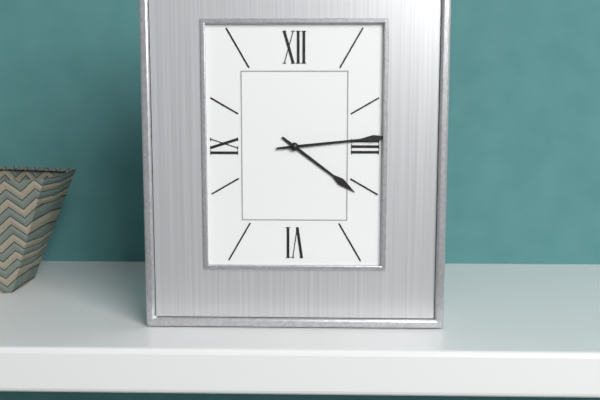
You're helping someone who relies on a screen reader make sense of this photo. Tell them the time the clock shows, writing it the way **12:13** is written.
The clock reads **4:14**
